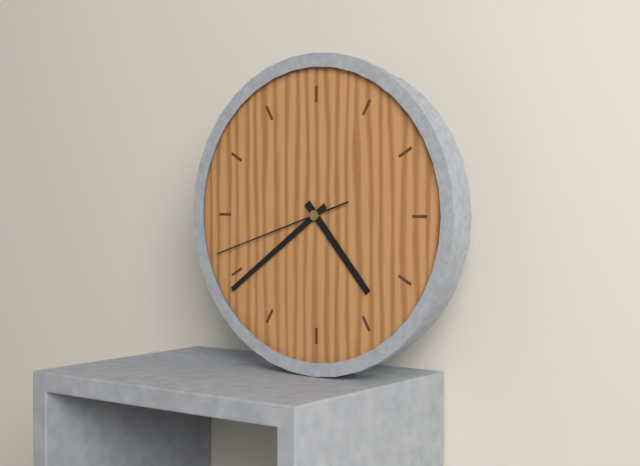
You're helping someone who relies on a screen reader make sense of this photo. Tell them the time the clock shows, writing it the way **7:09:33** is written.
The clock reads **4:39:42**
